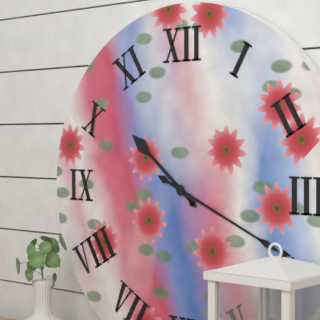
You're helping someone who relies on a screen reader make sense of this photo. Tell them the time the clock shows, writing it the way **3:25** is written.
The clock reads **10:19**
